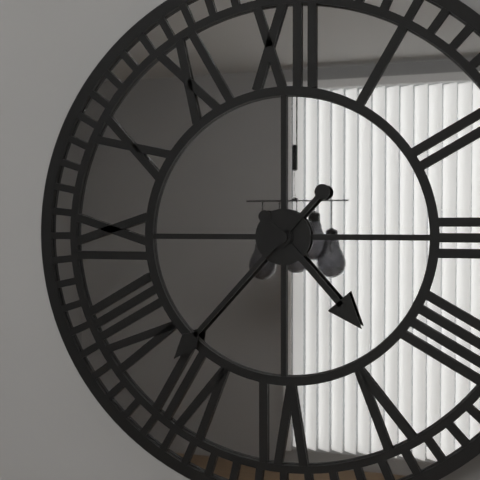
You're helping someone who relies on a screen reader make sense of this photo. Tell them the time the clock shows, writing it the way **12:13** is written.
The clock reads **4:37**
